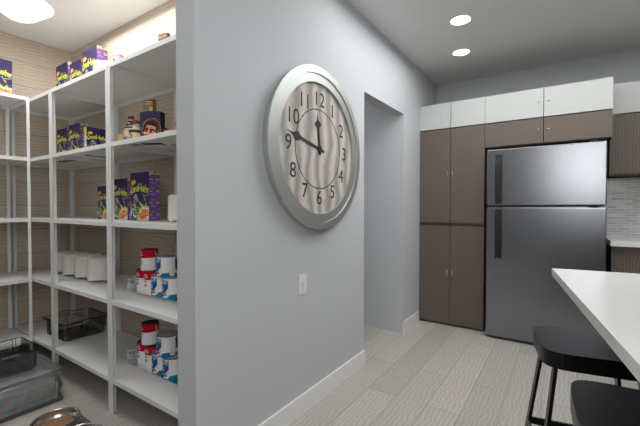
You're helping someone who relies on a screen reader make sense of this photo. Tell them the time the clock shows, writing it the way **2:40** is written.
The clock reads **11:47**
